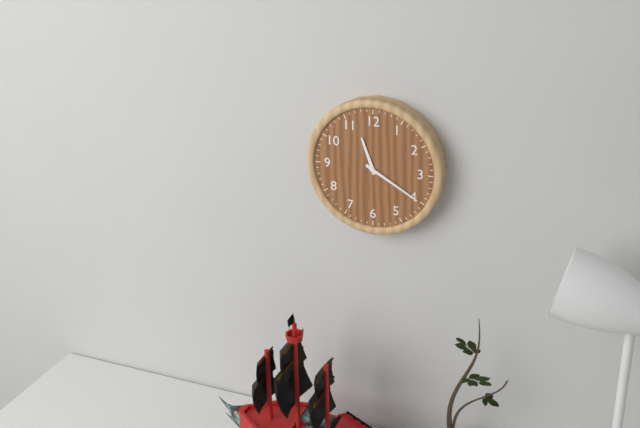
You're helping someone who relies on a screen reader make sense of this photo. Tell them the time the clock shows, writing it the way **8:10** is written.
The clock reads **11:20**
